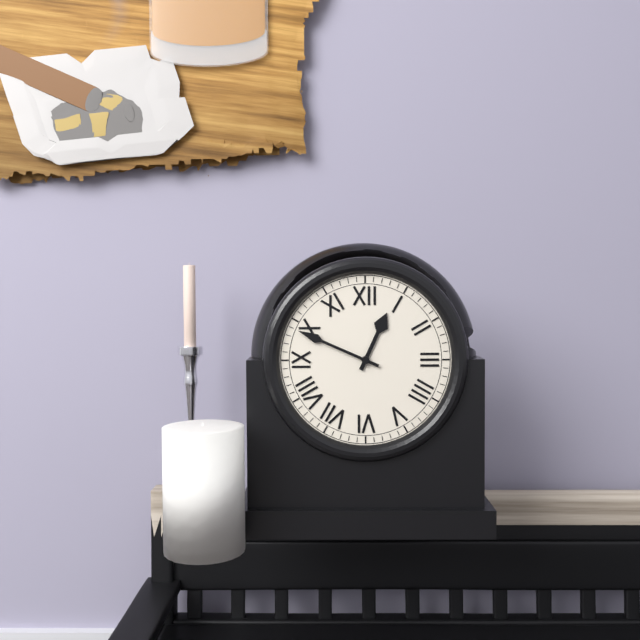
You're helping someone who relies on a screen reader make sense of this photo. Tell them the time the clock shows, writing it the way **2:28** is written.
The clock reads **12:49**
